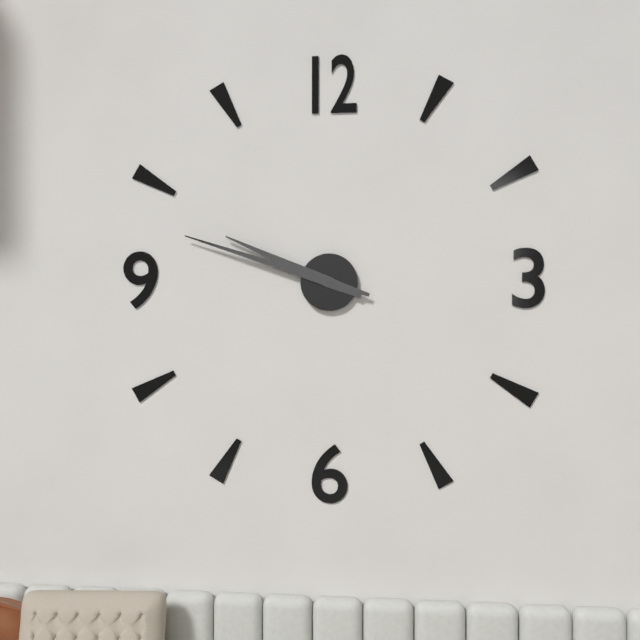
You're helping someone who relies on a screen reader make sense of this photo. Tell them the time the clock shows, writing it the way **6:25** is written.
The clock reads **9:48**
